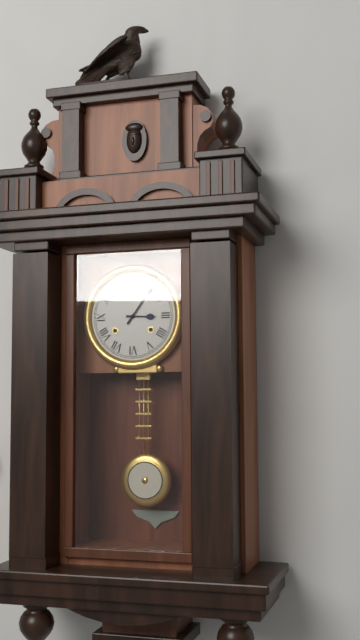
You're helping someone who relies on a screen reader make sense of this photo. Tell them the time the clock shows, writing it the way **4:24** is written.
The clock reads **3:06**
